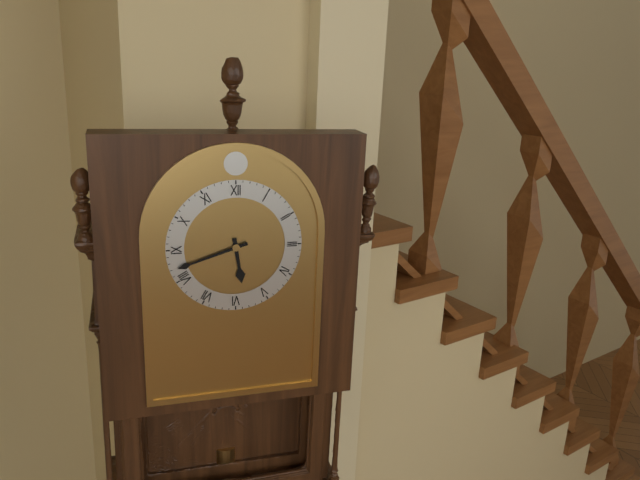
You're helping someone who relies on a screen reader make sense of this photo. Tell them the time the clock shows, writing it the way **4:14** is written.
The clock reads **5:42**
